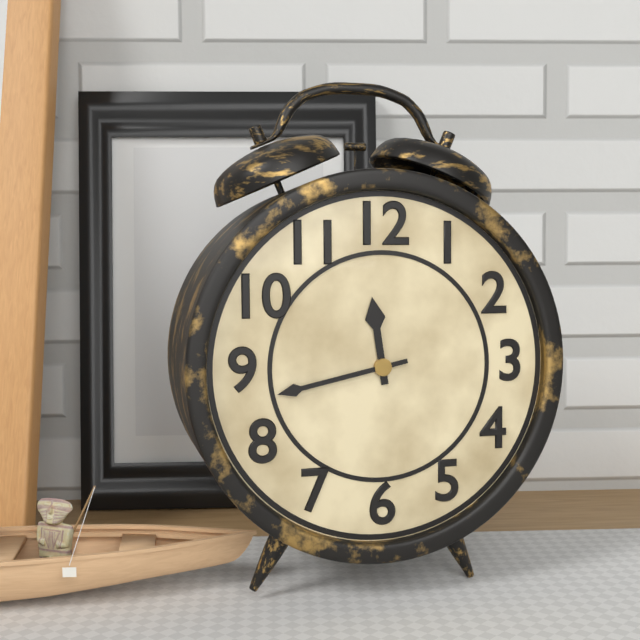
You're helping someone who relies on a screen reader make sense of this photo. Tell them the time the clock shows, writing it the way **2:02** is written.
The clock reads **11:43**
